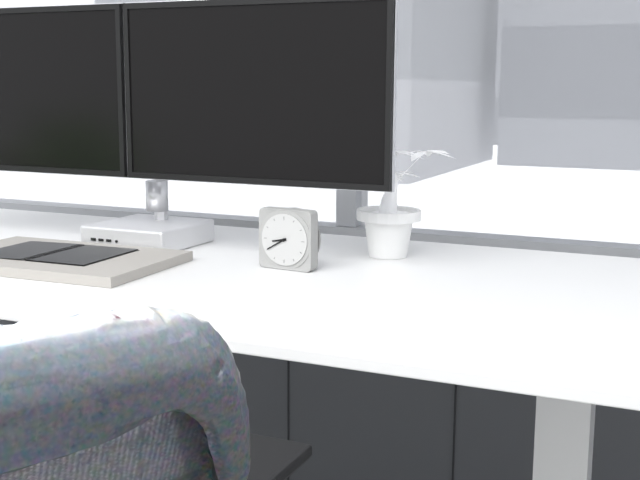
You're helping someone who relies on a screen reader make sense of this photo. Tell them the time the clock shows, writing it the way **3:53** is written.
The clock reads **8:40**
